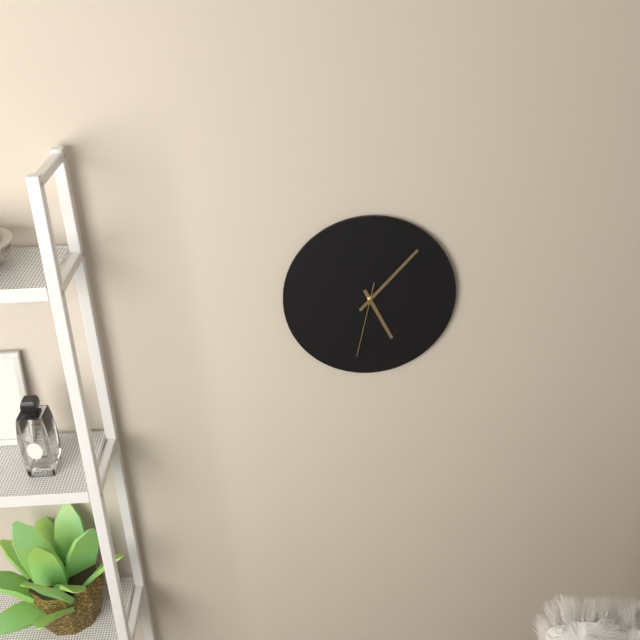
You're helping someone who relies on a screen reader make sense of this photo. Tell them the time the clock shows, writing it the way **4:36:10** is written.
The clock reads **5:07:32**
